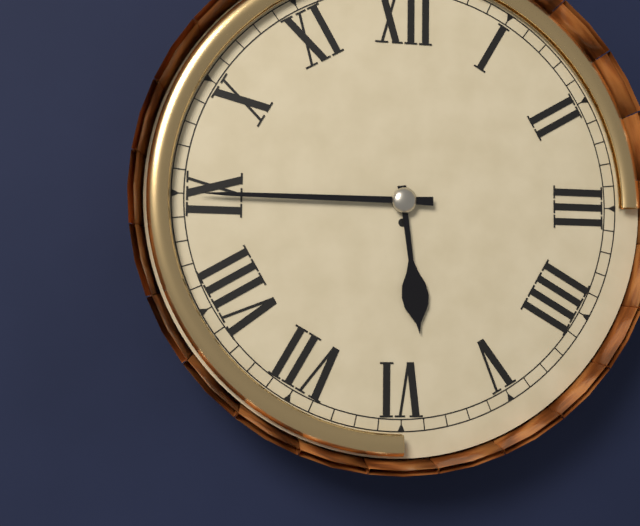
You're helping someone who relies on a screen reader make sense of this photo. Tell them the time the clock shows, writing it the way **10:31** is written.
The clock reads **5:45**
